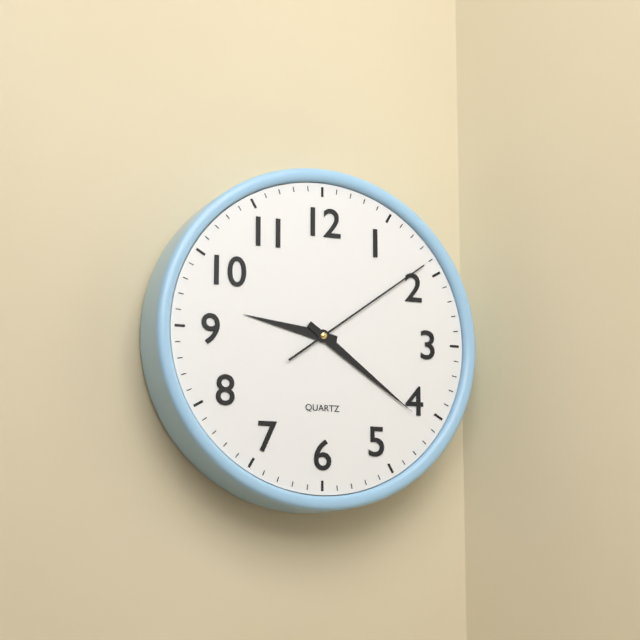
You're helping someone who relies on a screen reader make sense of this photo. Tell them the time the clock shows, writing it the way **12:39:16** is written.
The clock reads **9:21:09**
